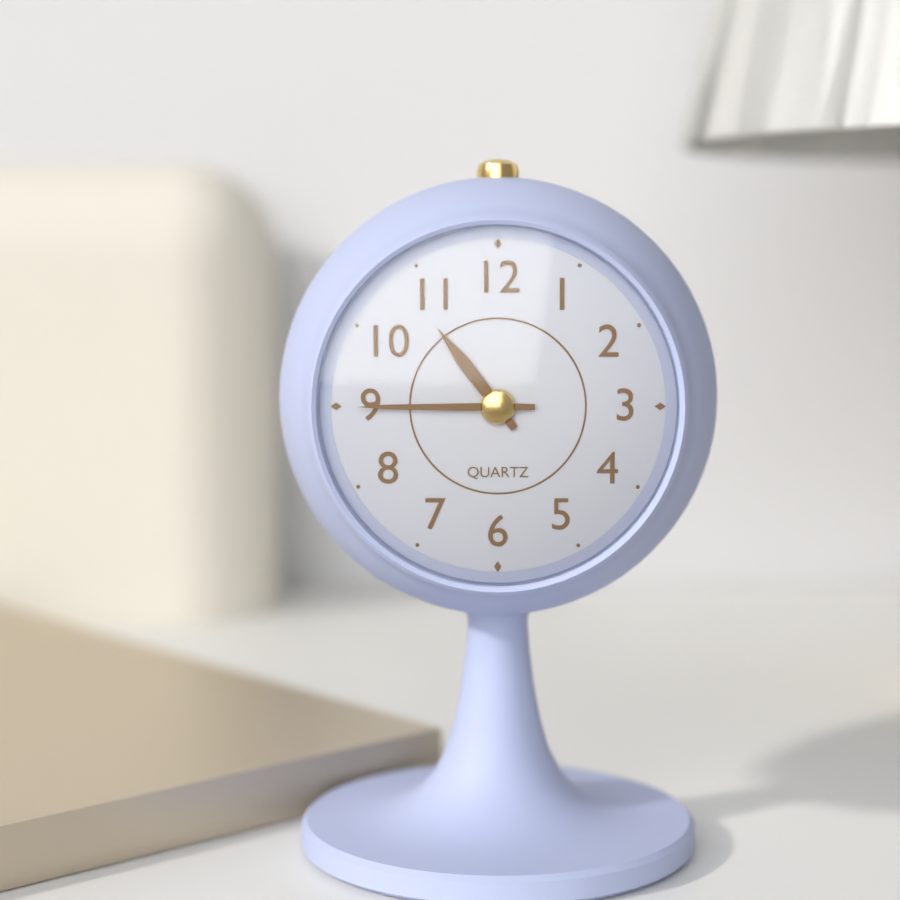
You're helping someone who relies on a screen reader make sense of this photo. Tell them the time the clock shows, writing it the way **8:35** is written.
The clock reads **10:45**
